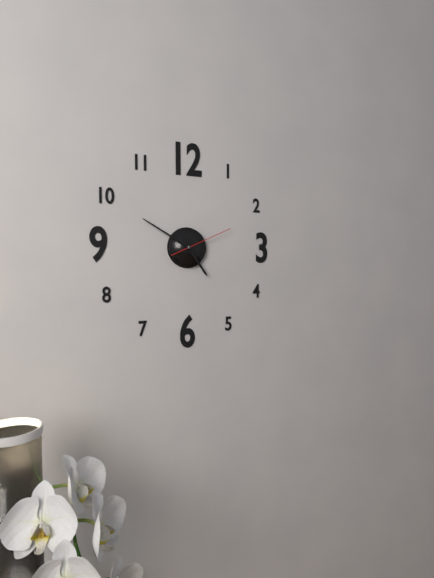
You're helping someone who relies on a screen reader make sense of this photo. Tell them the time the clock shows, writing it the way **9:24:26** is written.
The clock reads **4:50:11**
